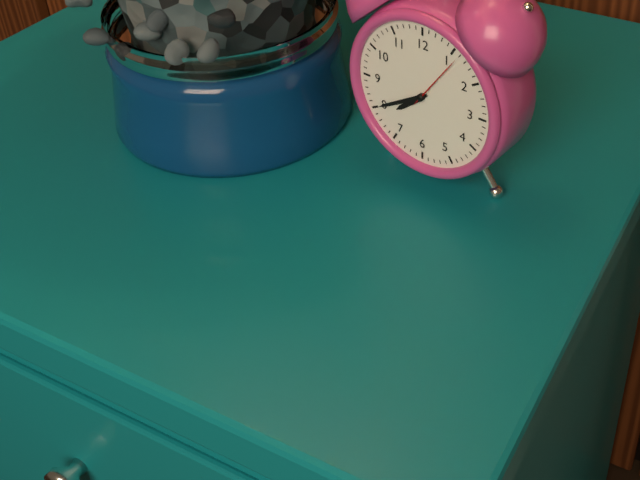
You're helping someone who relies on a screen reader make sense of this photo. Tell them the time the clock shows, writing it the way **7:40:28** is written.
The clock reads **7:40:06**
